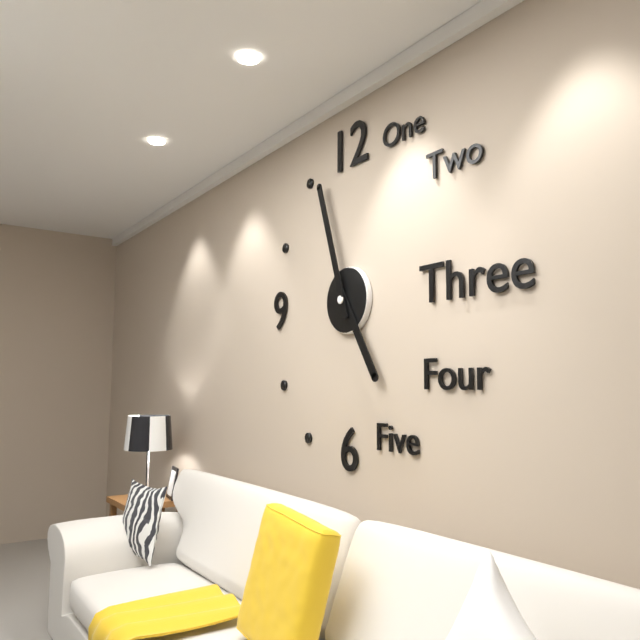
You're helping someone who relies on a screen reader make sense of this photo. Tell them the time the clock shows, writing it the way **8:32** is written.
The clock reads **4:57**
